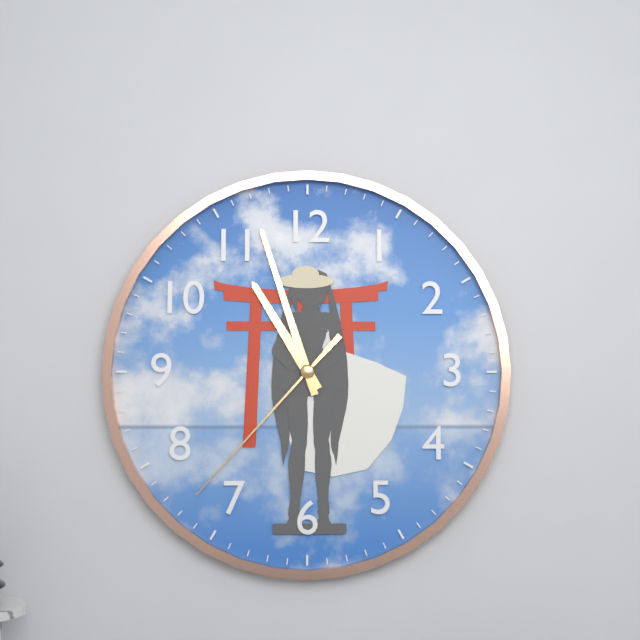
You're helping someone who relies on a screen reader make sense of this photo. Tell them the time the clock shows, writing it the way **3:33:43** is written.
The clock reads **10:57:37**
